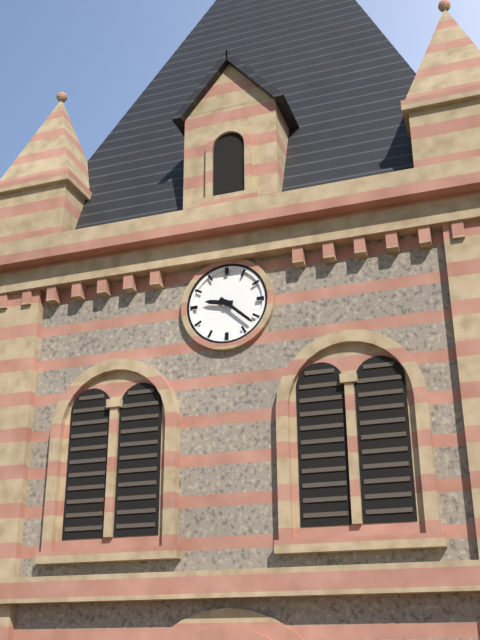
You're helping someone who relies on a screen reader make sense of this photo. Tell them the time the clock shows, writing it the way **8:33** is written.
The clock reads **9:22**
